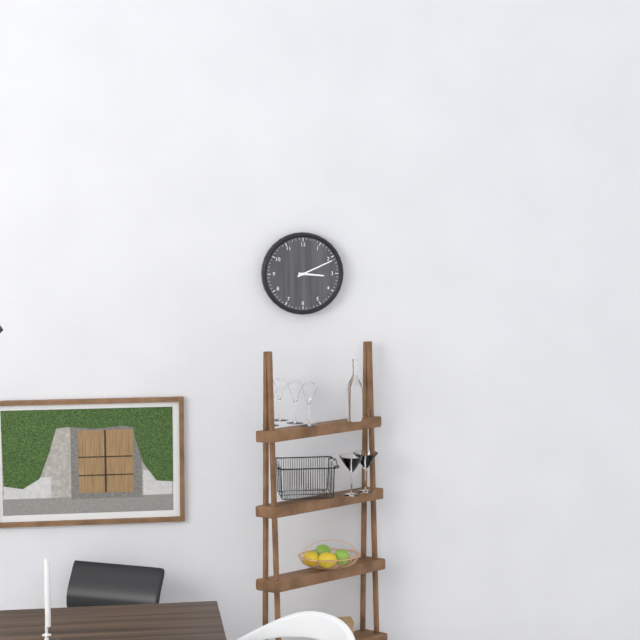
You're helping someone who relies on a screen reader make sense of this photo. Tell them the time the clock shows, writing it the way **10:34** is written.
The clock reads **3:11**
